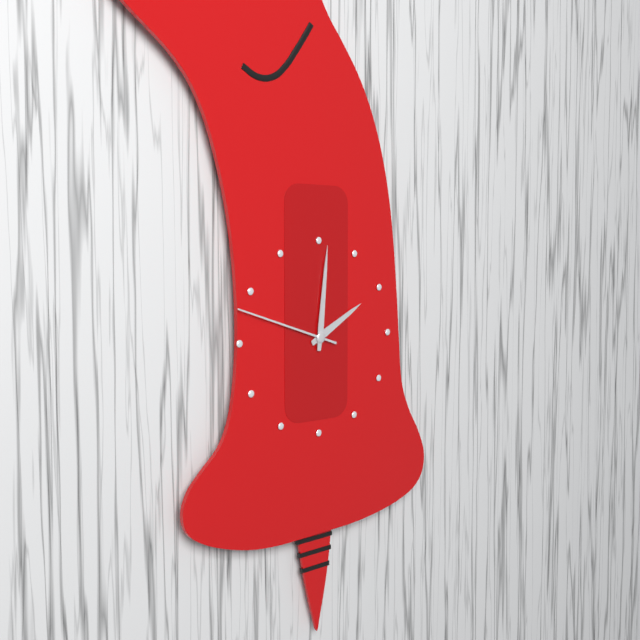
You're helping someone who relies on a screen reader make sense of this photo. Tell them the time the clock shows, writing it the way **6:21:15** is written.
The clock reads **2:01:48**
